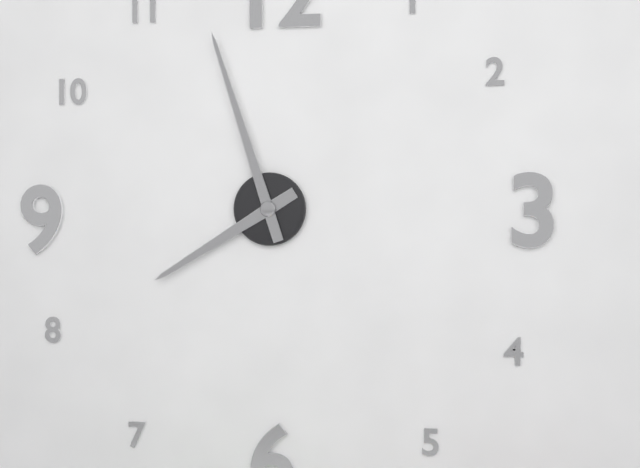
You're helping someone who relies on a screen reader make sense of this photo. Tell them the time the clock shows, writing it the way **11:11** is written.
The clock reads **7:57**
